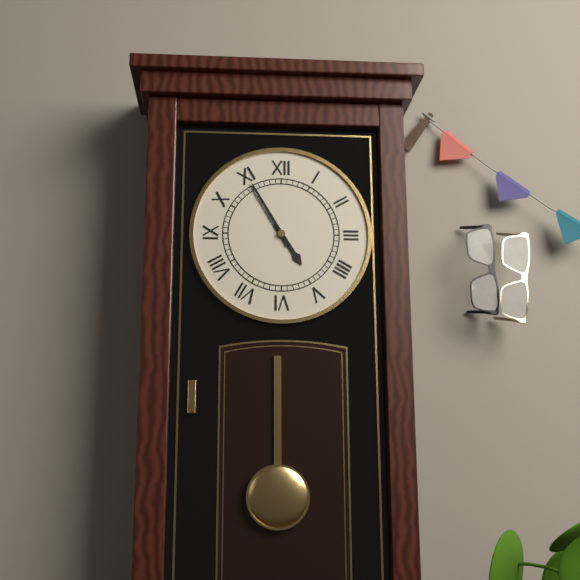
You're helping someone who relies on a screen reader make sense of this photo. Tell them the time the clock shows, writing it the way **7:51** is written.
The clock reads **4:55**
